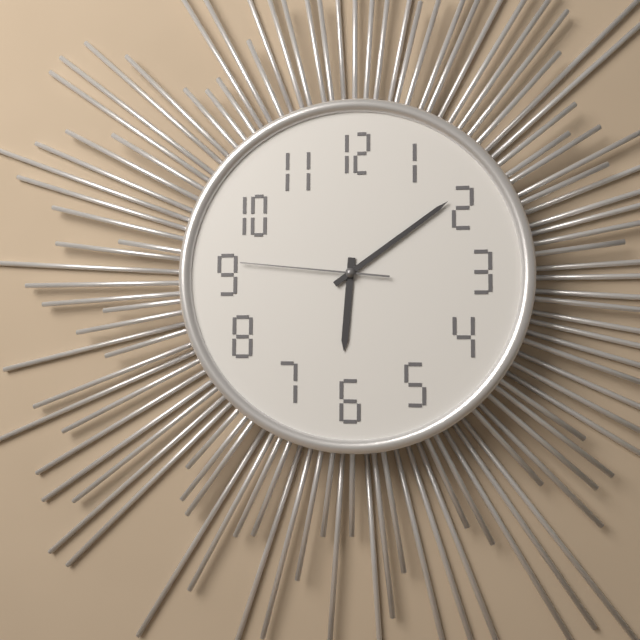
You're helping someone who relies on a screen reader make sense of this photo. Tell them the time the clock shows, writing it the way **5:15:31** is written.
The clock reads **6:09:46**
